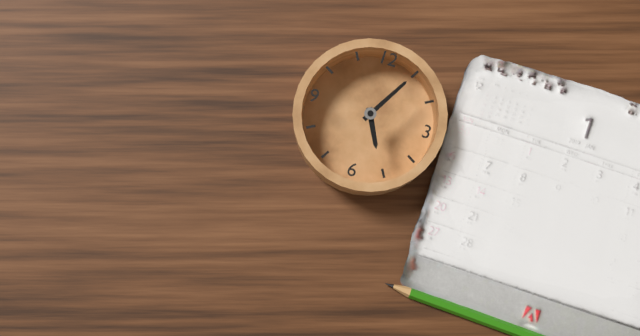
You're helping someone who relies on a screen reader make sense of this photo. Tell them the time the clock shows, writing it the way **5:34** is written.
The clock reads **5:05**
